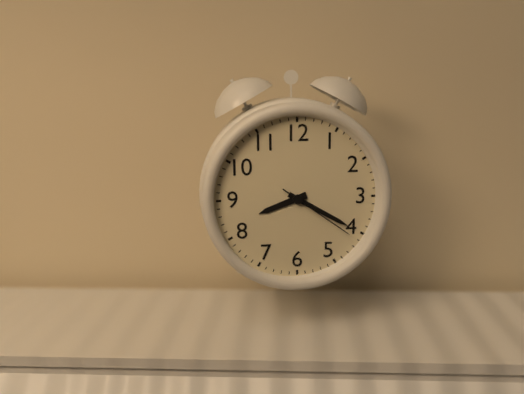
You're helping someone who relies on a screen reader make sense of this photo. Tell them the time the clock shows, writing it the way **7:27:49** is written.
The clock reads **8:20:21**
